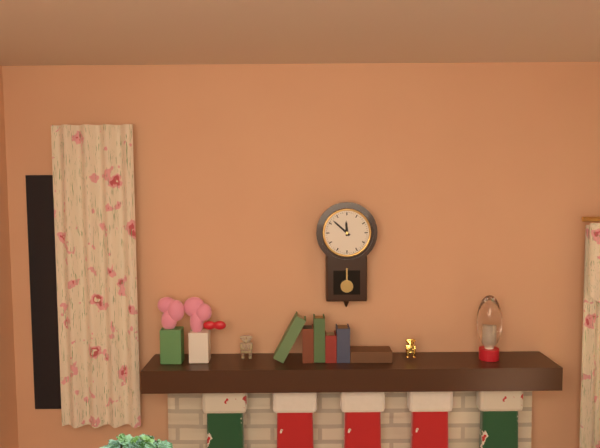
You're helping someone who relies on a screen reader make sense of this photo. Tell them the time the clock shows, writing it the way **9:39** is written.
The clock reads **11:52**
